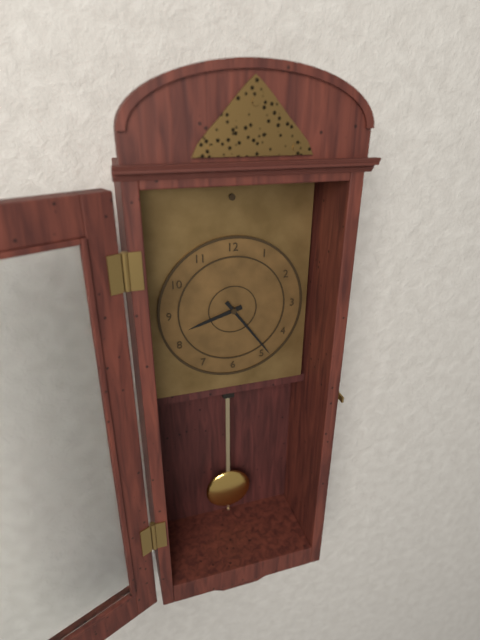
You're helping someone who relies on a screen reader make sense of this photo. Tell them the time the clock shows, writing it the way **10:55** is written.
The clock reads **8:24**
